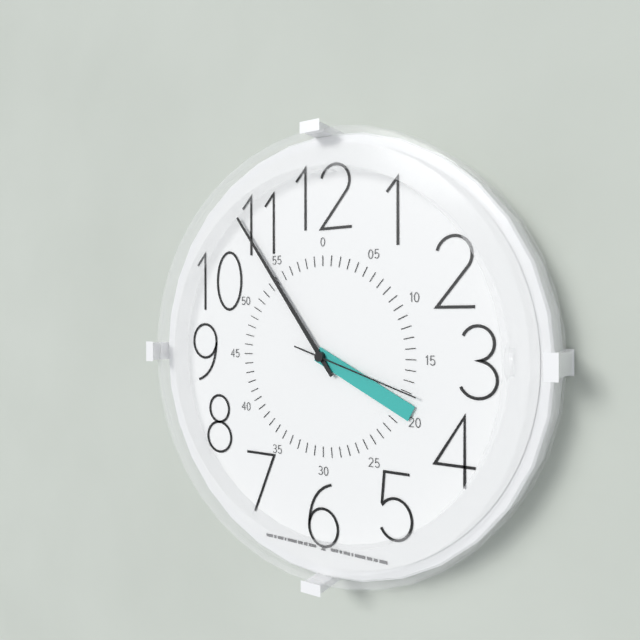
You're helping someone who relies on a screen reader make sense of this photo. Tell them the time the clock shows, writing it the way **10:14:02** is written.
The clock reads **3:54:18**
